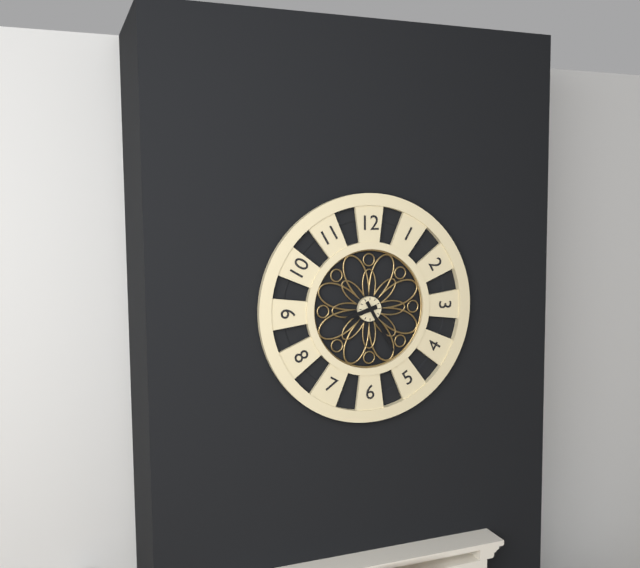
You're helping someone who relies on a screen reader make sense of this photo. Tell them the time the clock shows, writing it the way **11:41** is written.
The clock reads **8:25**
